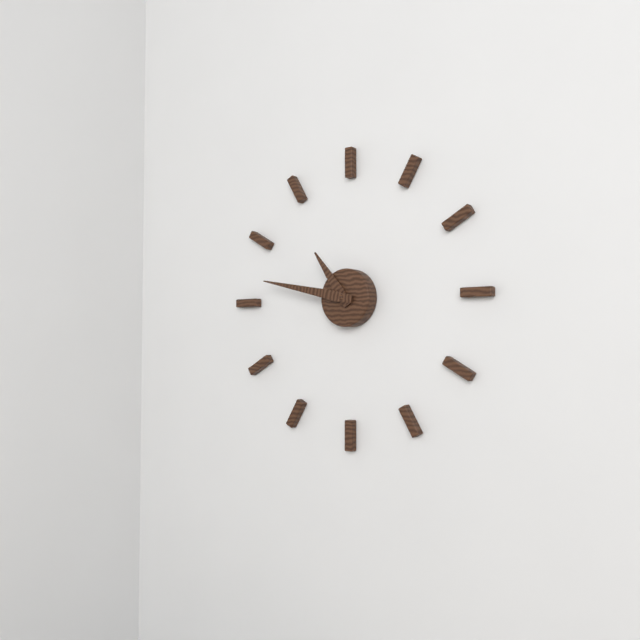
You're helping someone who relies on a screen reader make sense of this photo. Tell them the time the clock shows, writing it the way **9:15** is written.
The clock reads **10:47**
